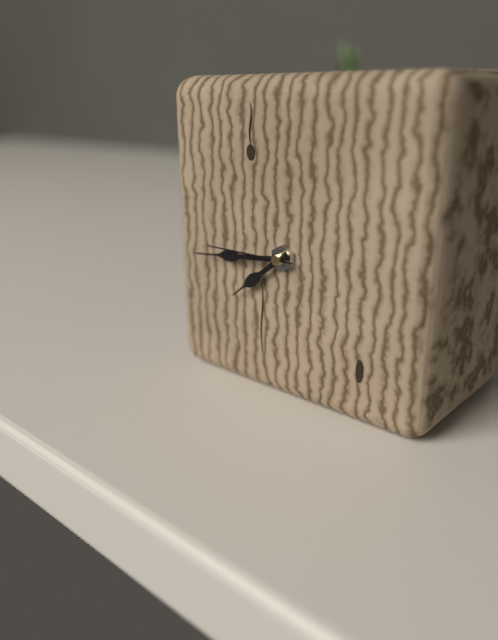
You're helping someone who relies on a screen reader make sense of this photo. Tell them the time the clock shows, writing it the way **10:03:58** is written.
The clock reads **7:44:45**
